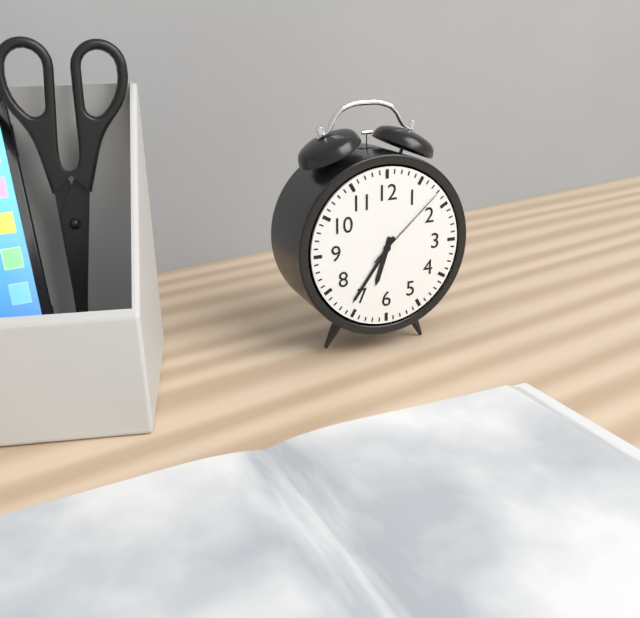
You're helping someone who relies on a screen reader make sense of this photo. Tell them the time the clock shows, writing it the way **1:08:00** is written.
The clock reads **6:36:08**
